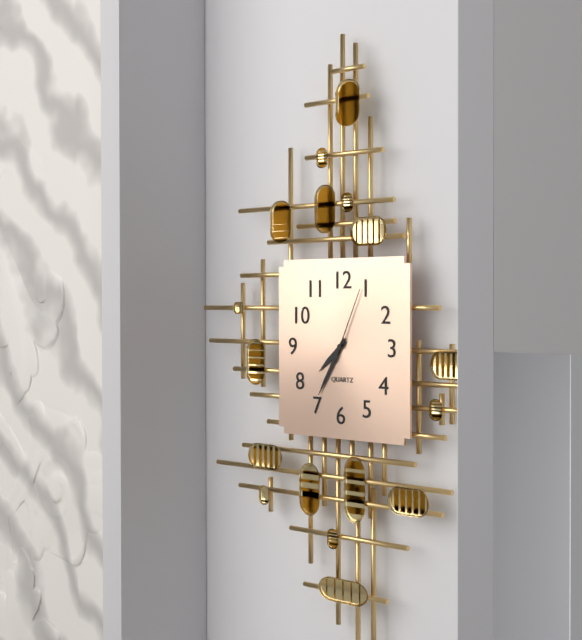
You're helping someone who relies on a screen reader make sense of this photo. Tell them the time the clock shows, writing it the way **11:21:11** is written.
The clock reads **7:35:04**
